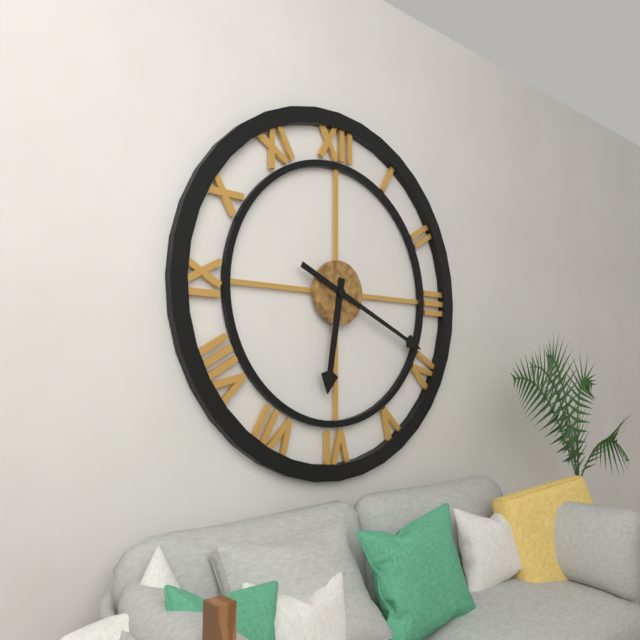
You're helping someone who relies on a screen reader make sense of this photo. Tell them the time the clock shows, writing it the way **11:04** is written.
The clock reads **6:19**
